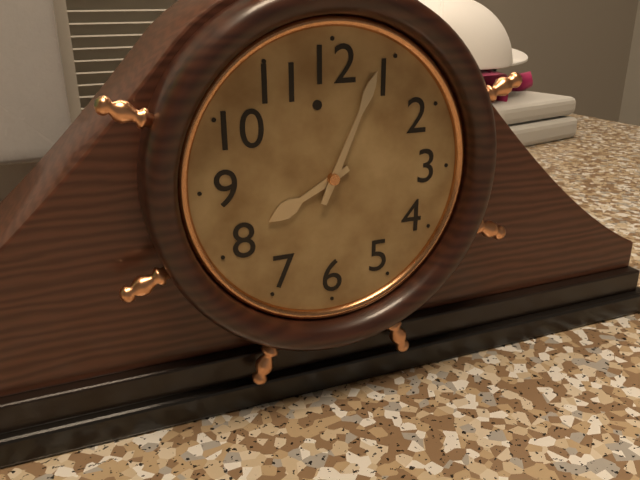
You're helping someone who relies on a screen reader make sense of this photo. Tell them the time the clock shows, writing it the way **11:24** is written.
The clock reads **8:04**
